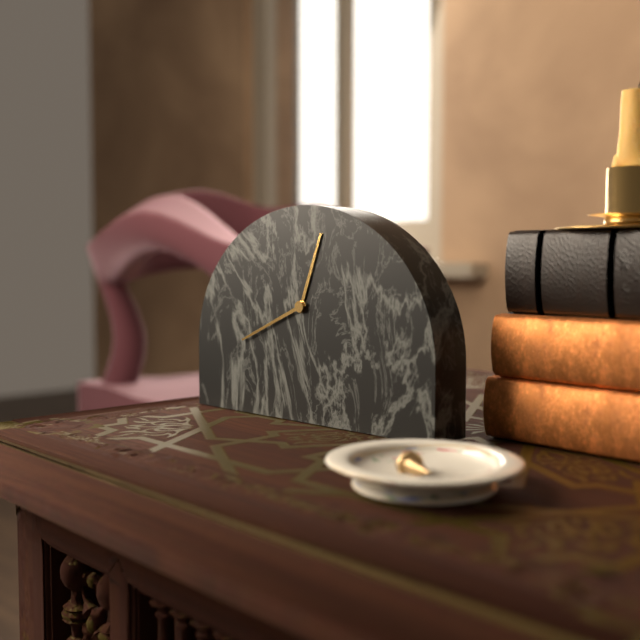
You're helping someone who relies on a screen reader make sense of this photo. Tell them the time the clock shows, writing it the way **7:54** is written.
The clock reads **12:41**
